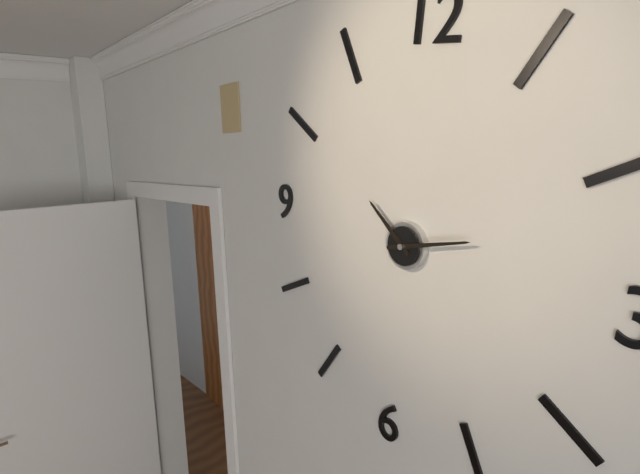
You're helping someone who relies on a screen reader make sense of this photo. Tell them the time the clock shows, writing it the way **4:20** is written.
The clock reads **10:12**
